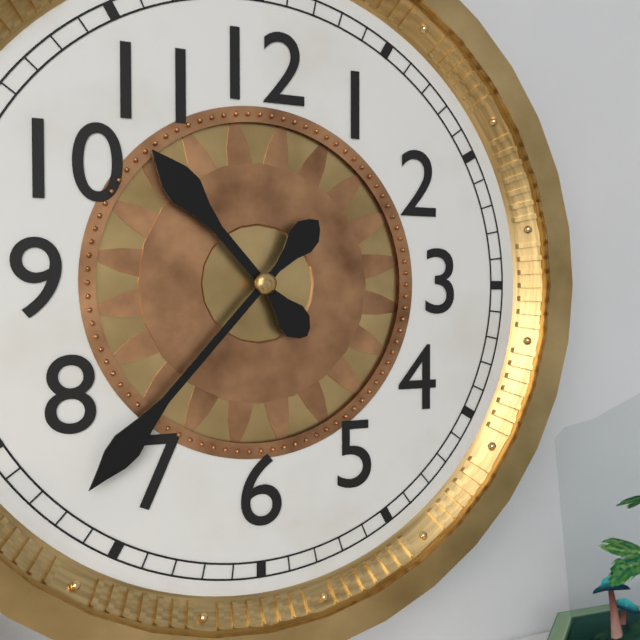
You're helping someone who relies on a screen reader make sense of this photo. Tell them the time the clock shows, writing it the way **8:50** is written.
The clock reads **10:37**
